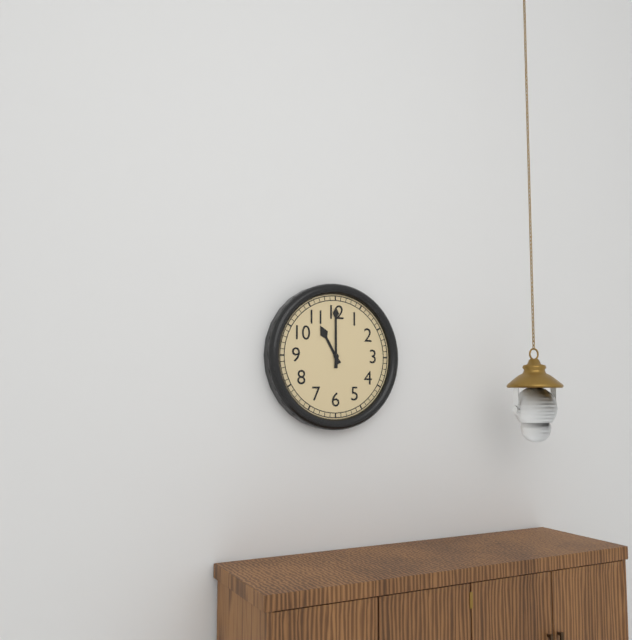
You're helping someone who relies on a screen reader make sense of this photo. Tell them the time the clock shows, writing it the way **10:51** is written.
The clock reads **11:00**
